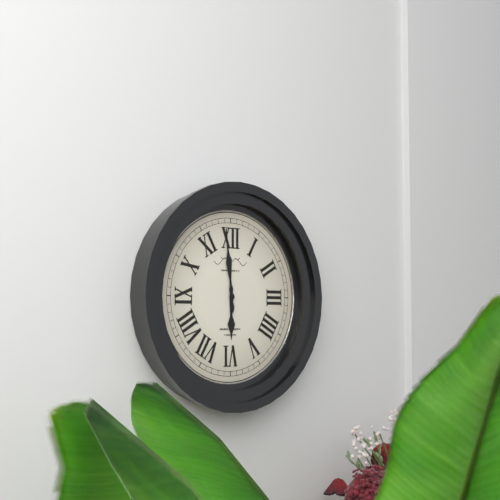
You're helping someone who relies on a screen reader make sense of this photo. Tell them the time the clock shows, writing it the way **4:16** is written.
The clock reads **5:59**
